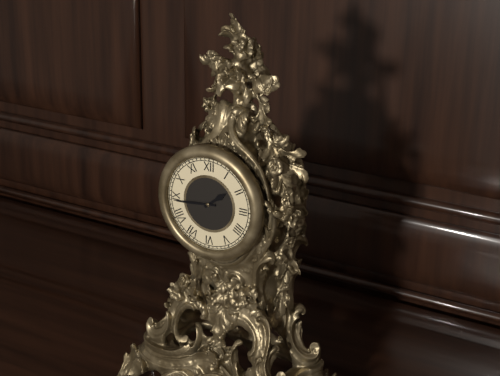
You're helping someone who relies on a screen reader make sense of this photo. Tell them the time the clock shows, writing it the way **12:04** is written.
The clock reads **1:44**
